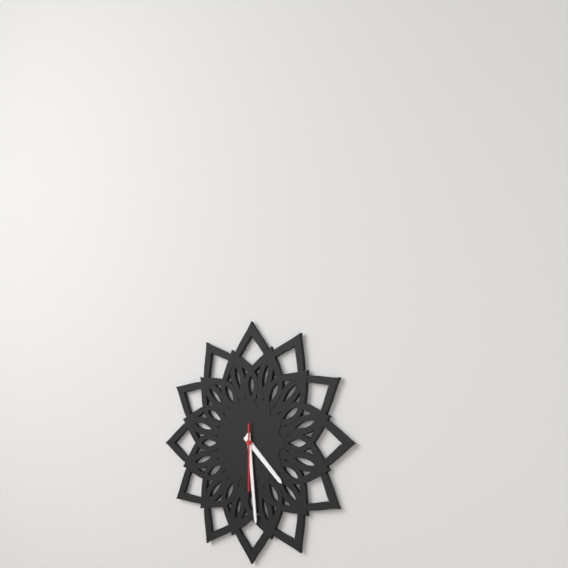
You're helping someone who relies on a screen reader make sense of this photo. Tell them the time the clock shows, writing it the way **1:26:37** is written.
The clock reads **4:29:30**
